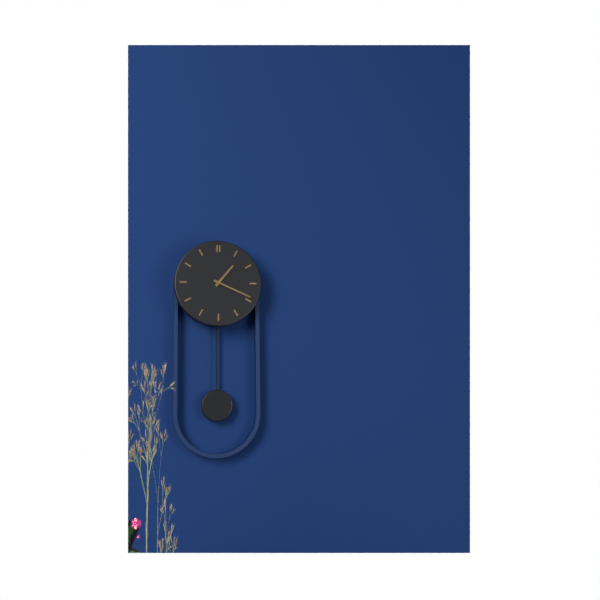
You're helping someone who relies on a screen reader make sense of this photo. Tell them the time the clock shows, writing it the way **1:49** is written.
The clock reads **1:19**
